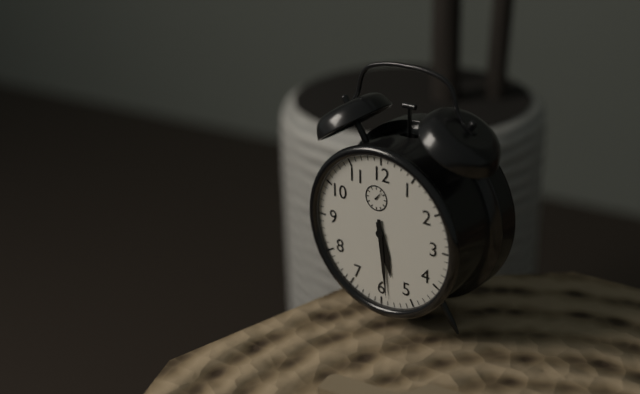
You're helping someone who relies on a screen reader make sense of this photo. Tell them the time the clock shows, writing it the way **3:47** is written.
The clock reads **5:29**
